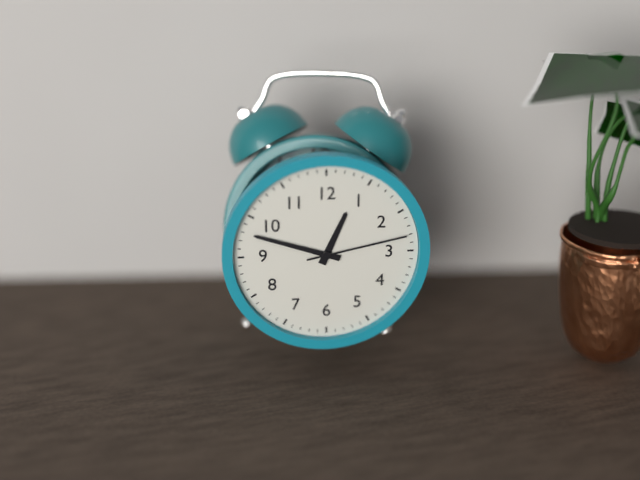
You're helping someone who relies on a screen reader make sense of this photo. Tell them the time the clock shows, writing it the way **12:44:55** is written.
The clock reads **12:48:13**
